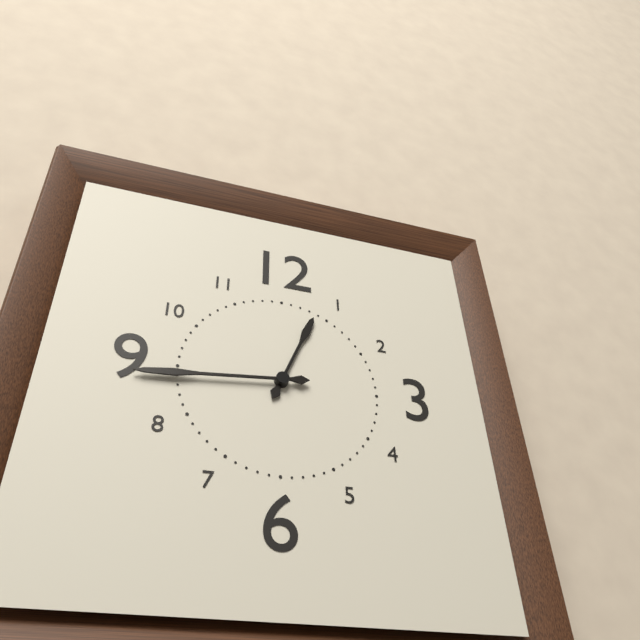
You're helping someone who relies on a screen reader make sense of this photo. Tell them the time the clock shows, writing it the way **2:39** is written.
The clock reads **12:44**
